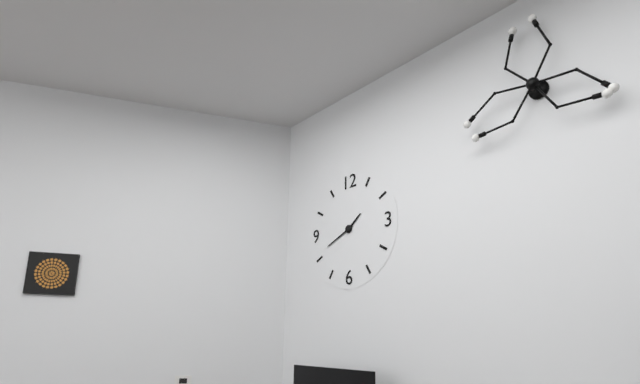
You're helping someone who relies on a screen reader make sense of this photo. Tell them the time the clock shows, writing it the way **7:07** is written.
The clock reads **1:41**
